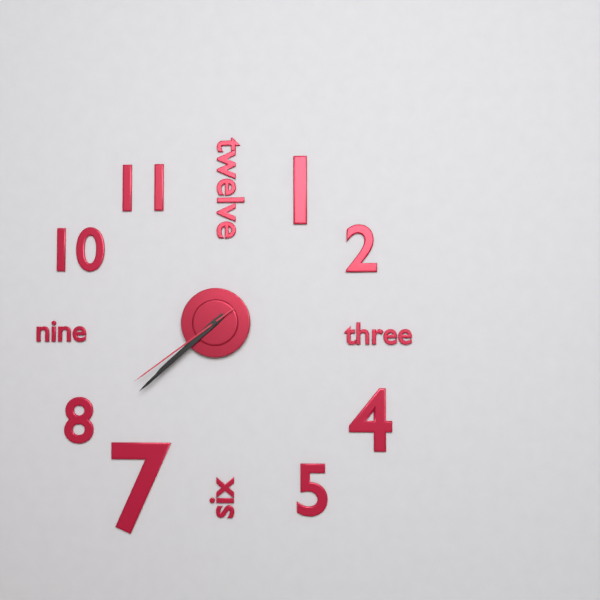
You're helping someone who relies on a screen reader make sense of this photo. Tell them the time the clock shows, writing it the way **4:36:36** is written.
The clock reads **7:38:39**
